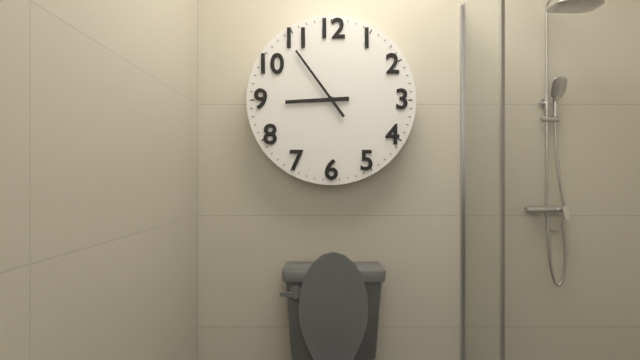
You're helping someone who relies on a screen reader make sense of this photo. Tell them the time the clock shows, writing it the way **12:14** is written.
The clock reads **8:54**
